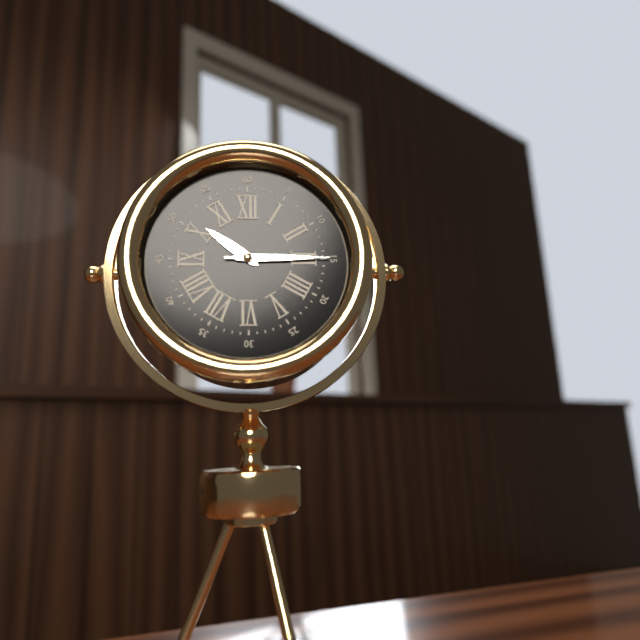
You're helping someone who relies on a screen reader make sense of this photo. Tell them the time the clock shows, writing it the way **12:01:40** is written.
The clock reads **10:15:15**
